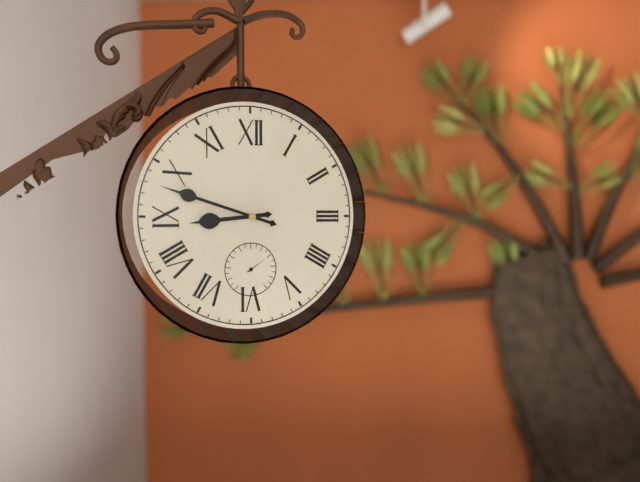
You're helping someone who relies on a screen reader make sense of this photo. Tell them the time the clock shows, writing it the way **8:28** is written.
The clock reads **8:48**
